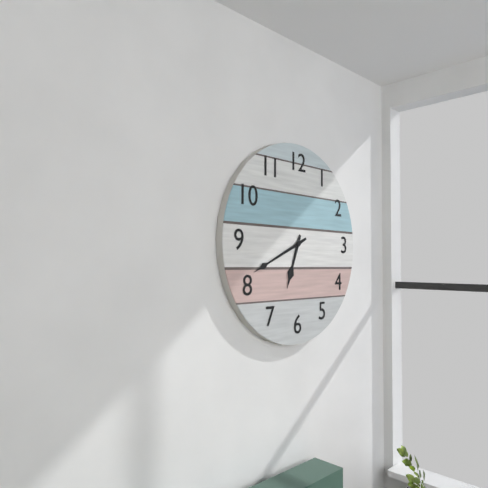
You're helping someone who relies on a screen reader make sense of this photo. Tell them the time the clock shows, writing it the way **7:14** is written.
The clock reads **6:41**
